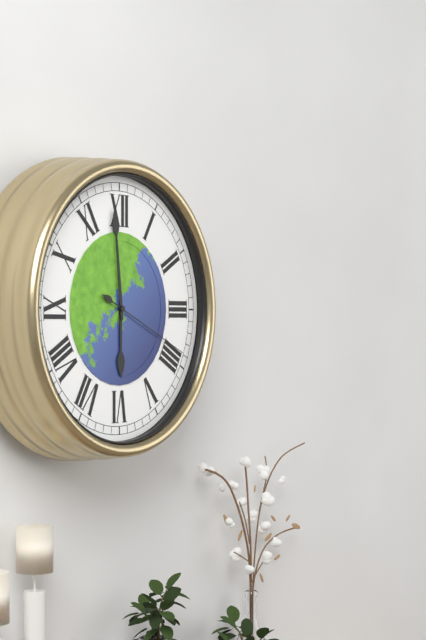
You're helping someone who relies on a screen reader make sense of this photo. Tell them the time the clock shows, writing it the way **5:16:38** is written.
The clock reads **5:59:19**
